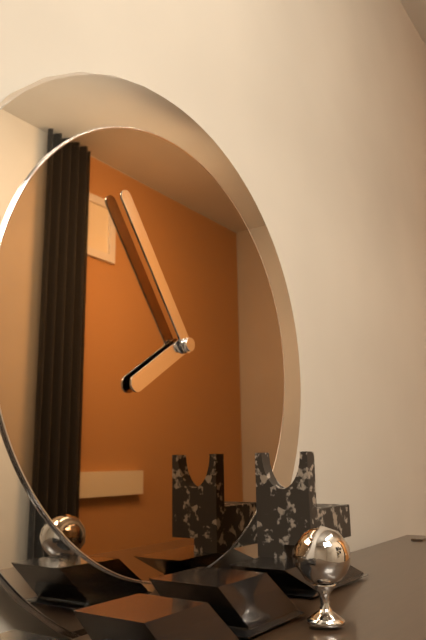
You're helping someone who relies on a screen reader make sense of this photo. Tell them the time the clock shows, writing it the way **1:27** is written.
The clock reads **7:54**
